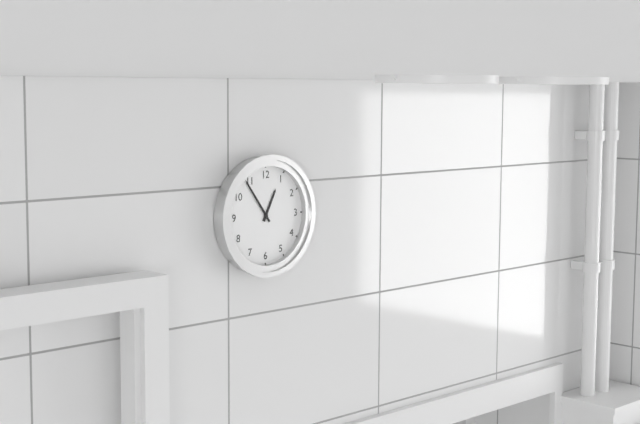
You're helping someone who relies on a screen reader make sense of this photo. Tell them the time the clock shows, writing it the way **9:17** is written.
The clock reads **12:54**
